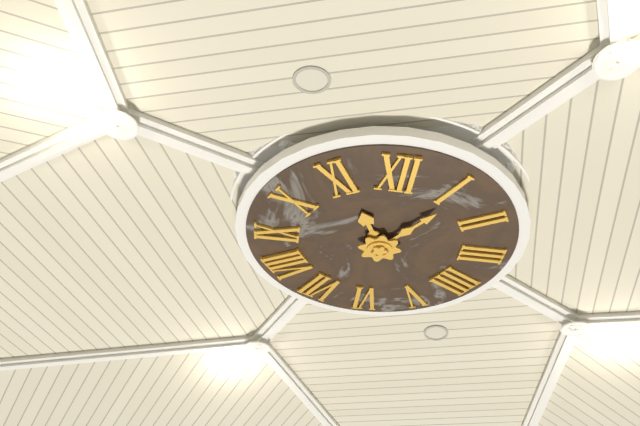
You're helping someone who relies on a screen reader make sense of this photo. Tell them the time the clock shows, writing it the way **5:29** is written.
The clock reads **11:06**
